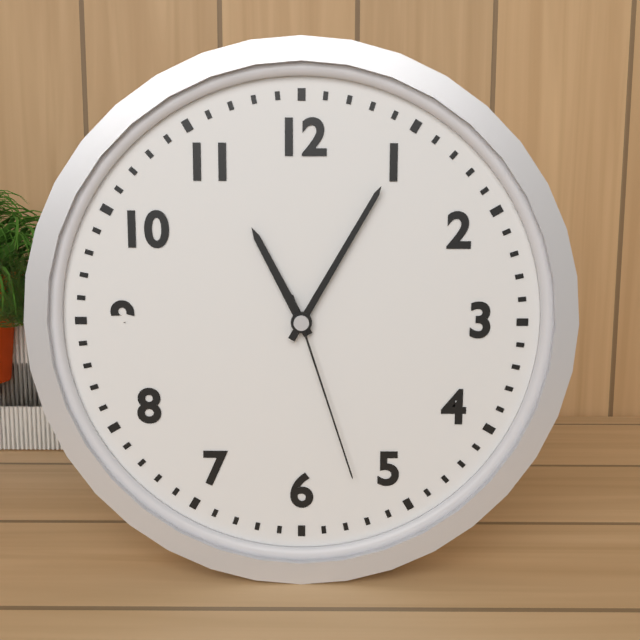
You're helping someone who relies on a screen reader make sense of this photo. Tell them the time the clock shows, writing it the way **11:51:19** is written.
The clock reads **11:05:27**
